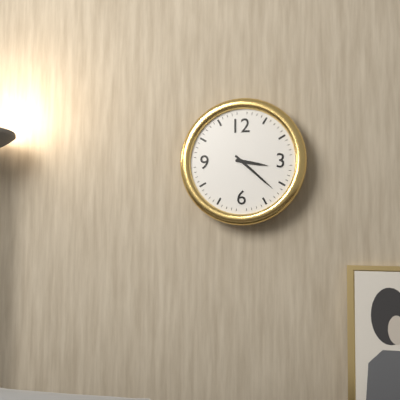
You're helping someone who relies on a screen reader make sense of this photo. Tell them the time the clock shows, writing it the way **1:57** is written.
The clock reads **3:22**
